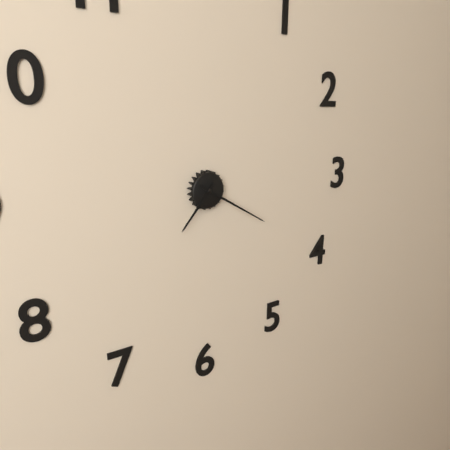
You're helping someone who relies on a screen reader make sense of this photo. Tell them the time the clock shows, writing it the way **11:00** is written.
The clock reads **7:20**
